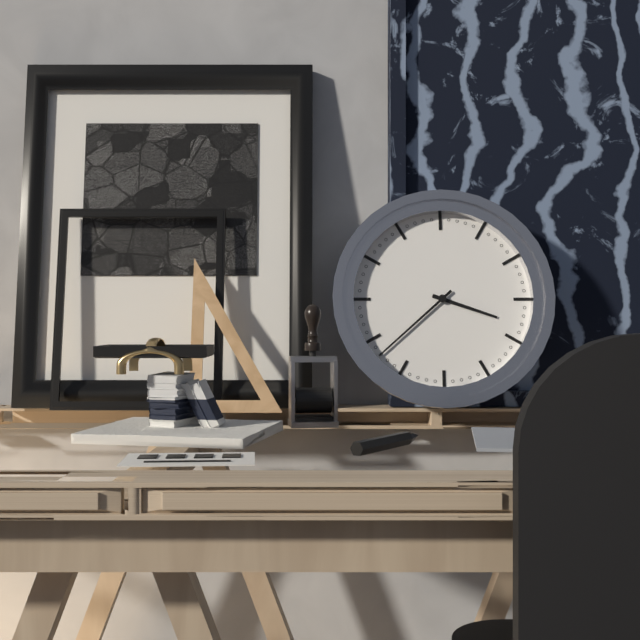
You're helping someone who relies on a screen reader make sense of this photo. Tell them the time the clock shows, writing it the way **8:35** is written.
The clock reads **3:38**
